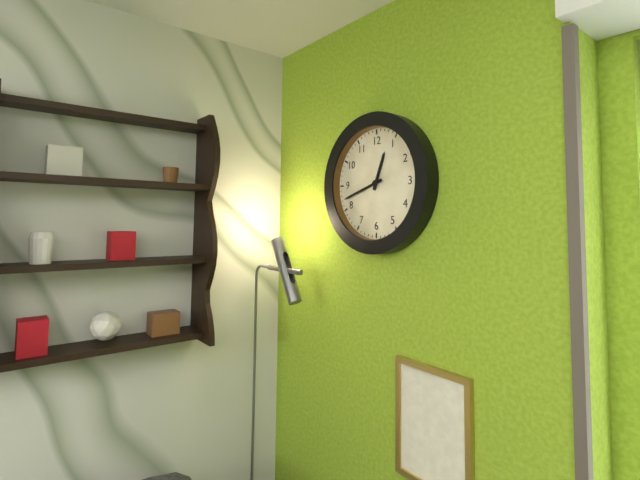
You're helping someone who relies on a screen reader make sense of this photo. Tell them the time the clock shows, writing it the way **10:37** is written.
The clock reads **12:42**
